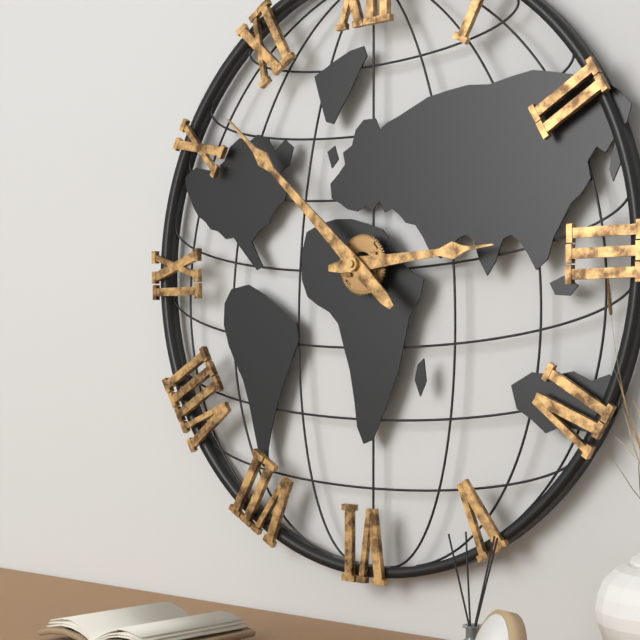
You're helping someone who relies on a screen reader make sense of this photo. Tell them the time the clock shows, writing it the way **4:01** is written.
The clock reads **2:52**
